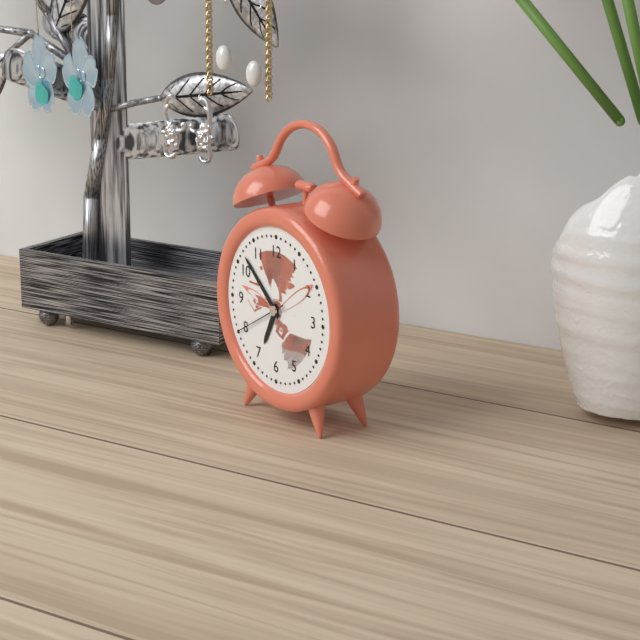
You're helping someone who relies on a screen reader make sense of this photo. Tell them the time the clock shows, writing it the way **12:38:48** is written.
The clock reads **6:52:40**
